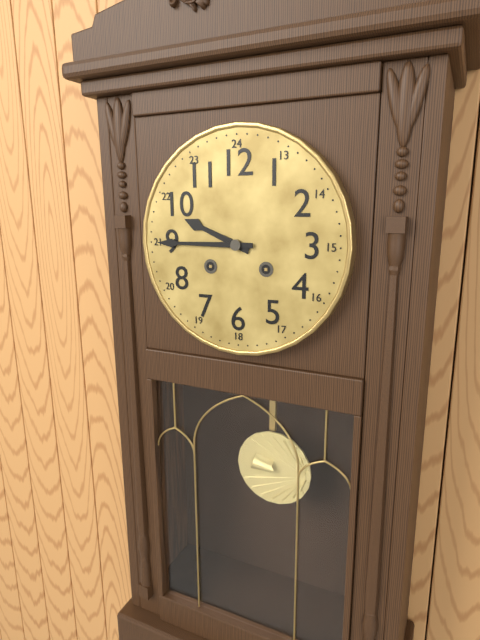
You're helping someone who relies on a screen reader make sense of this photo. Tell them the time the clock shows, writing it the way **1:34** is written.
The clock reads **9:45**
